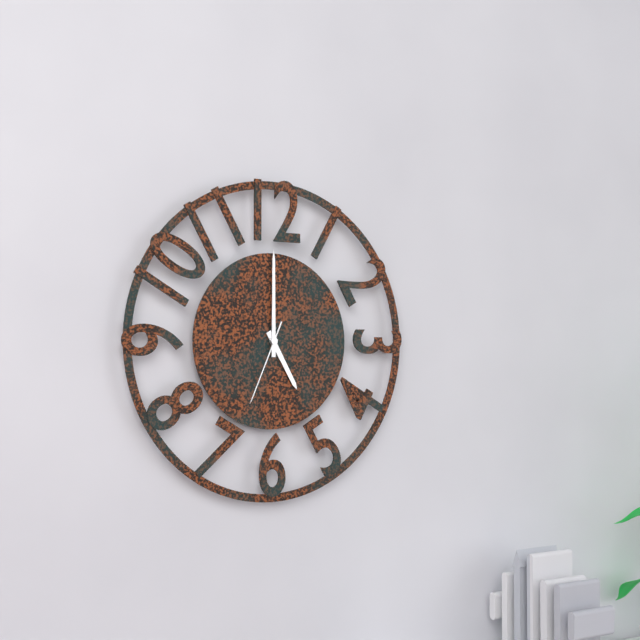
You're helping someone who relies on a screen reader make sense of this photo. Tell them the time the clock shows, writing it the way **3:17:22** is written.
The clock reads **5:00:34**
